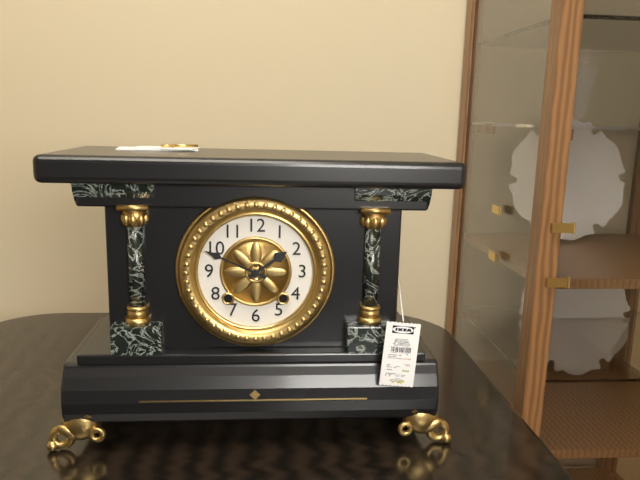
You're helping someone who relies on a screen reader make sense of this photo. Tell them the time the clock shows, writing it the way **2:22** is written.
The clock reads **1:49**
